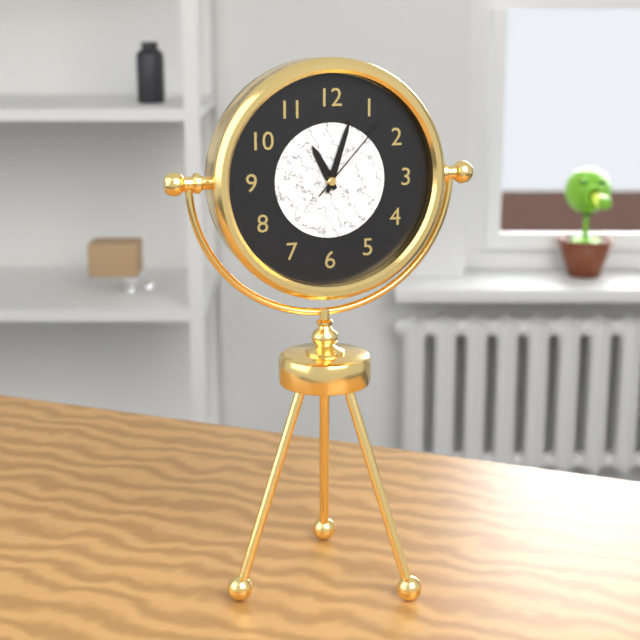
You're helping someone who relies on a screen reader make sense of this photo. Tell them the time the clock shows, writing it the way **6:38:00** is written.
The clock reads **11:03:07**
